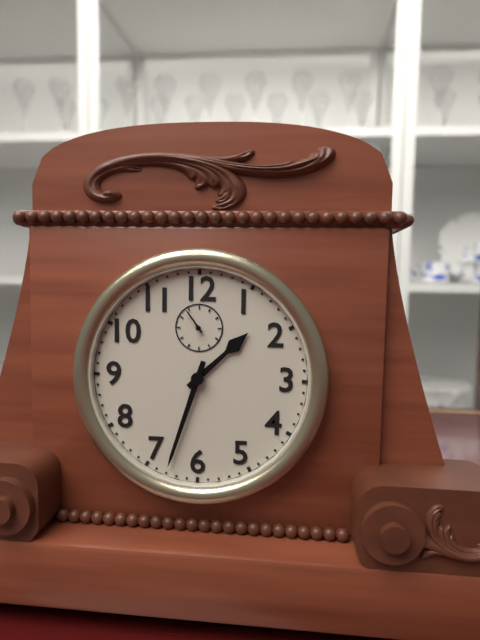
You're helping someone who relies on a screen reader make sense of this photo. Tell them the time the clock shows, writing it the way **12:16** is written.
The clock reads **1:33**
